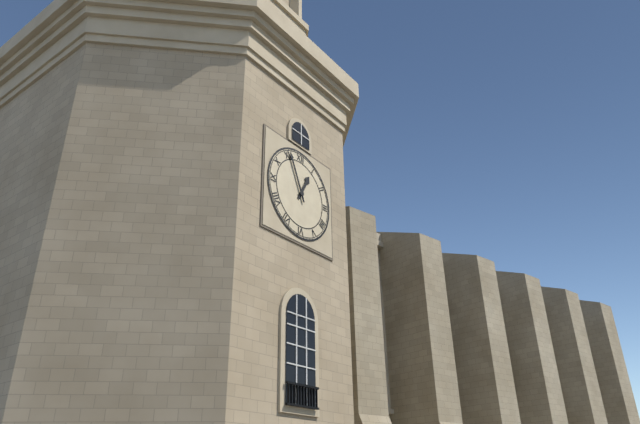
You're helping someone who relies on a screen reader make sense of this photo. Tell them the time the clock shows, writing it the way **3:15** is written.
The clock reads **12:56**
